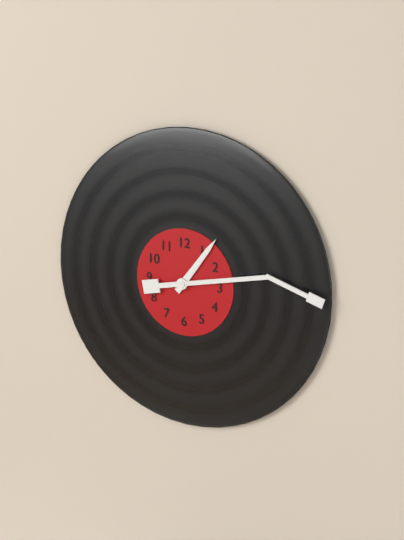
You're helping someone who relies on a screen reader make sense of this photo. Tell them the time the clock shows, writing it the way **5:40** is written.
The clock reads **1:13**
